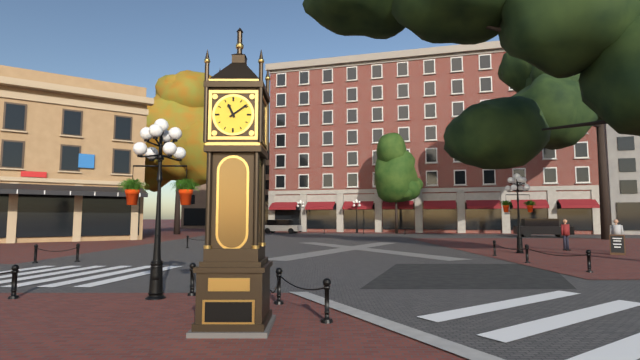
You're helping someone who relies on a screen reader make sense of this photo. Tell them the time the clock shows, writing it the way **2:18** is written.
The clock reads **11:09**
